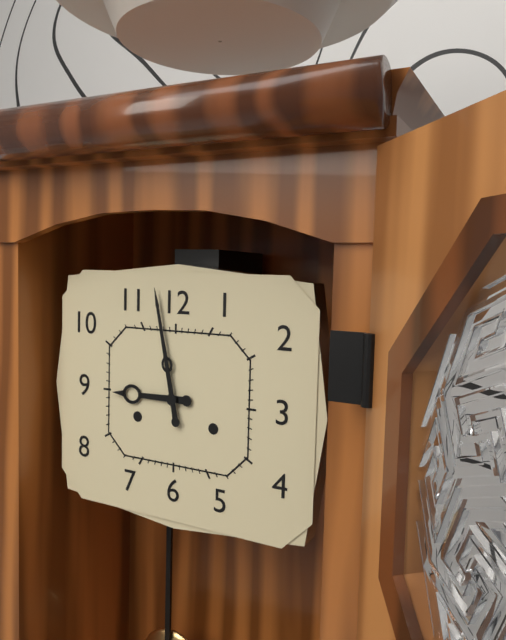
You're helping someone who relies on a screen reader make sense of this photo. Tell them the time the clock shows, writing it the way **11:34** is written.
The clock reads **8:58**
